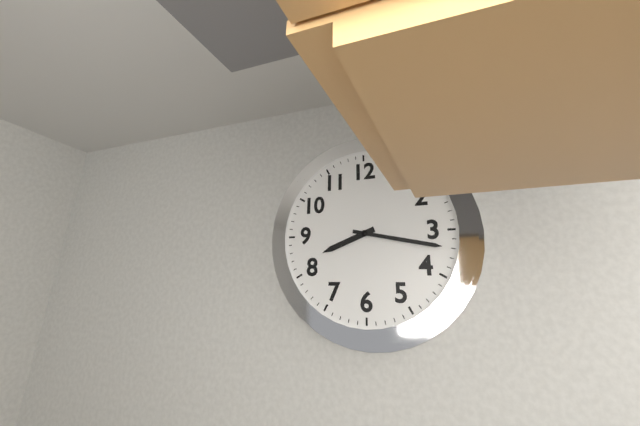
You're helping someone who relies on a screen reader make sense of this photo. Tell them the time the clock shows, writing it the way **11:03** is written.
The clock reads **8:17**
